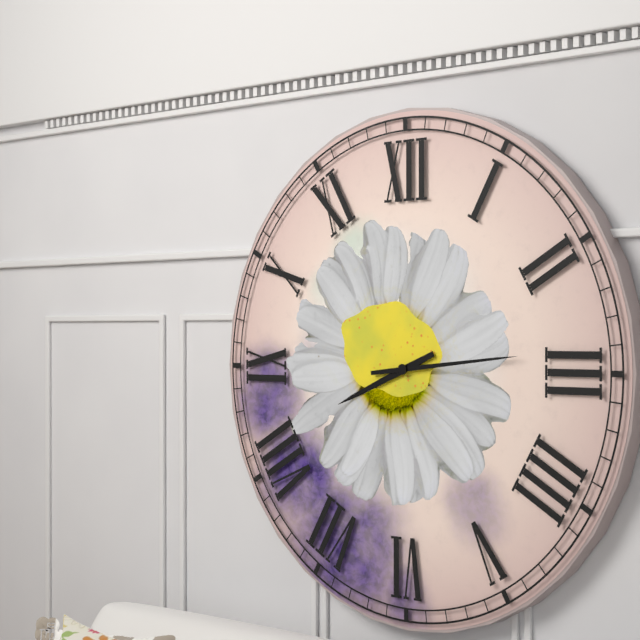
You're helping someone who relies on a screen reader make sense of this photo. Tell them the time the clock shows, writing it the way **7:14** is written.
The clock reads **8:14**
